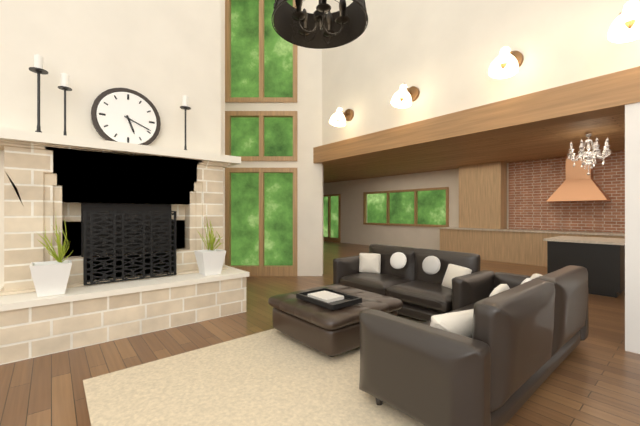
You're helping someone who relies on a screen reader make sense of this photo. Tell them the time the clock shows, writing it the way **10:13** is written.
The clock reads **5:19**
